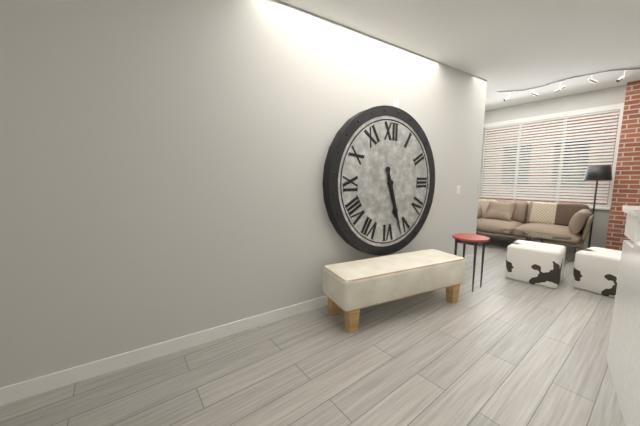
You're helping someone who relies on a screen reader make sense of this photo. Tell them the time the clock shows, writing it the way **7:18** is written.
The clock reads **5:27**
